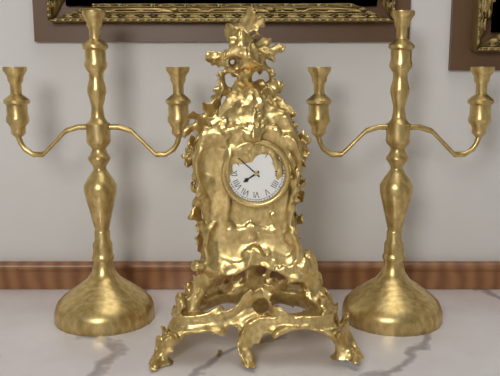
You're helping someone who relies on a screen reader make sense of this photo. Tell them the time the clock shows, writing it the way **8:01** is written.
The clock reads **7:52**
